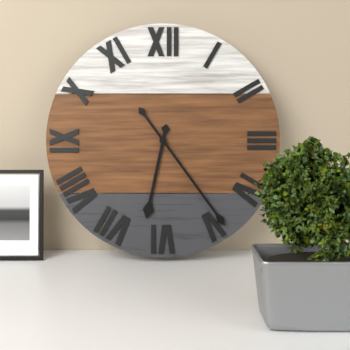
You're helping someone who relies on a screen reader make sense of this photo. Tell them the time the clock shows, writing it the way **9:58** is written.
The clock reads **6:24**
